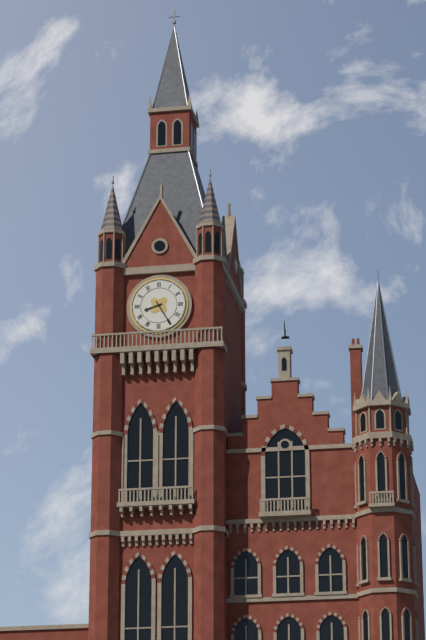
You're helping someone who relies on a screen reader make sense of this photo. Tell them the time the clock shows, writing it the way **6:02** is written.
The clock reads **8:25**
